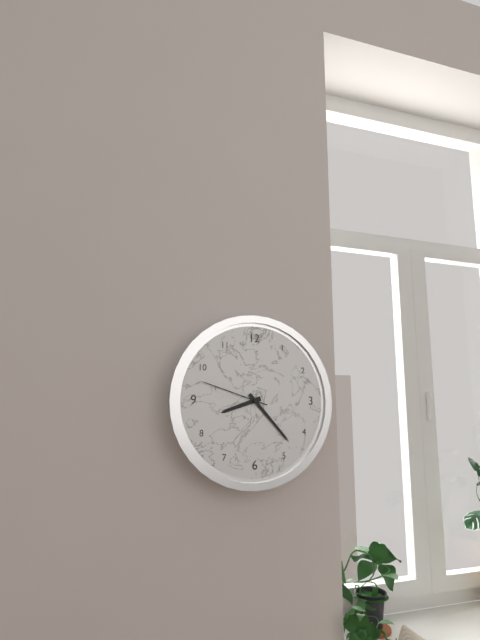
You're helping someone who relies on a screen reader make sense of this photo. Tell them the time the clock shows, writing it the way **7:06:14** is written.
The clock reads **8:23:48**
